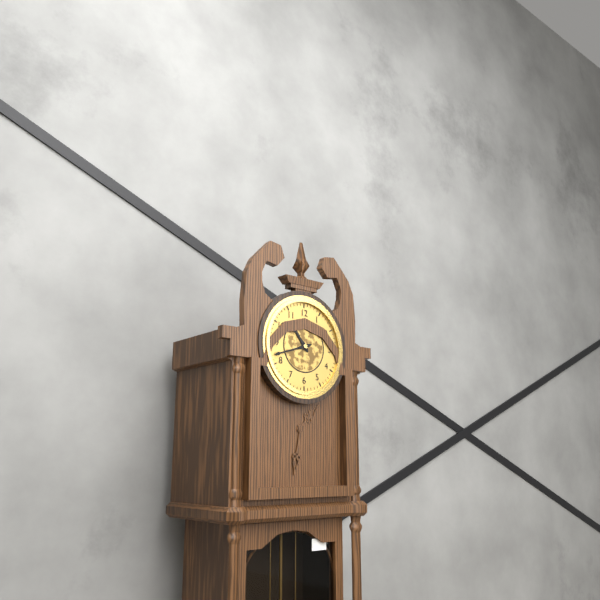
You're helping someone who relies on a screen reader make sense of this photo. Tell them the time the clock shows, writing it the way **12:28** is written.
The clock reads **10:42**
